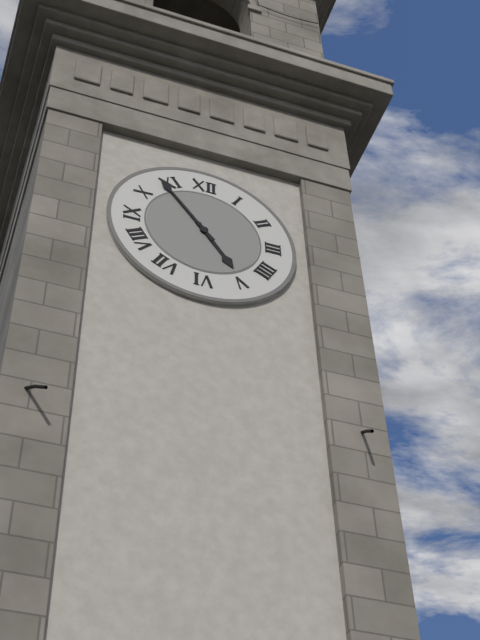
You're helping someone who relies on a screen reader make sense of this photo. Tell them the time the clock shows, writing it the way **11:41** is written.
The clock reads **4:54**
